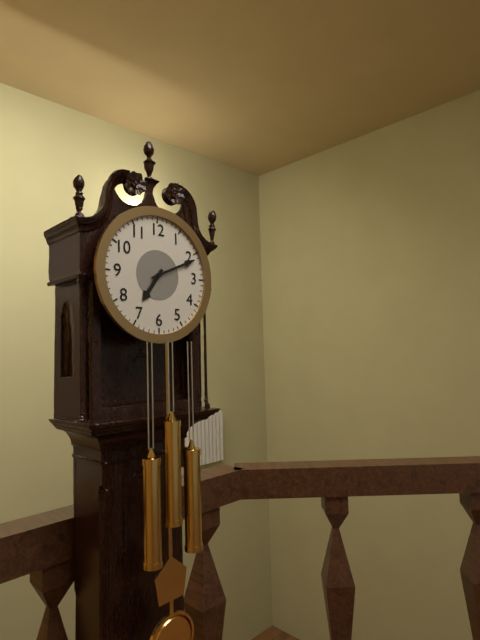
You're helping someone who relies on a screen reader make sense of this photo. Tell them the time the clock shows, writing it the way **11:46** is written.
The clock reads **7:11**
